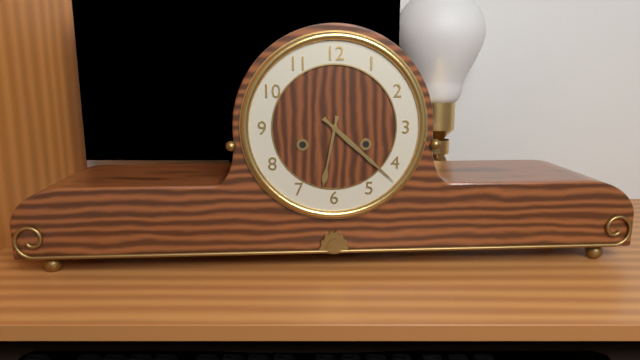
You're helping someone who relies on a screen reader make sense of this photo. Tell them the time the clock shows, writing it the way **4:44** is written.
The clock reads **6:22**
